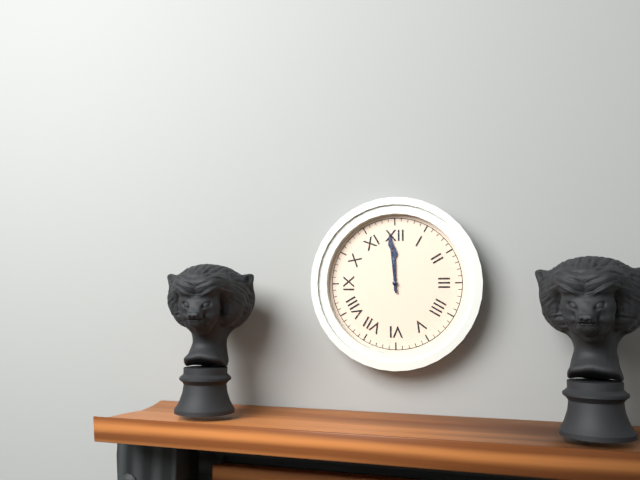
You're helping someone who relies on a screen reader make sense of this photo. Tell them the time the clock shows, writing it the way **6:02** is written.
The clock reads **11:59**
